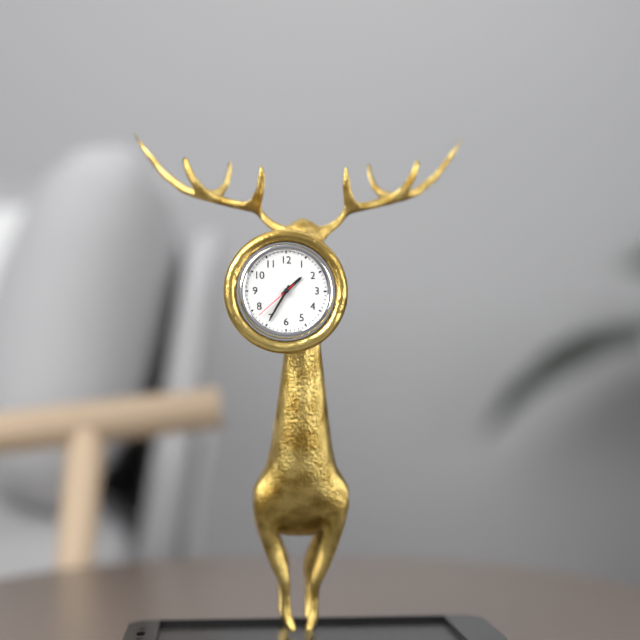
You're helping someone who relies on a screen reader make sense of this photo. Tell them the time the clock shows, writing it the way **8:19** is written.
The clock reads **1:35**
